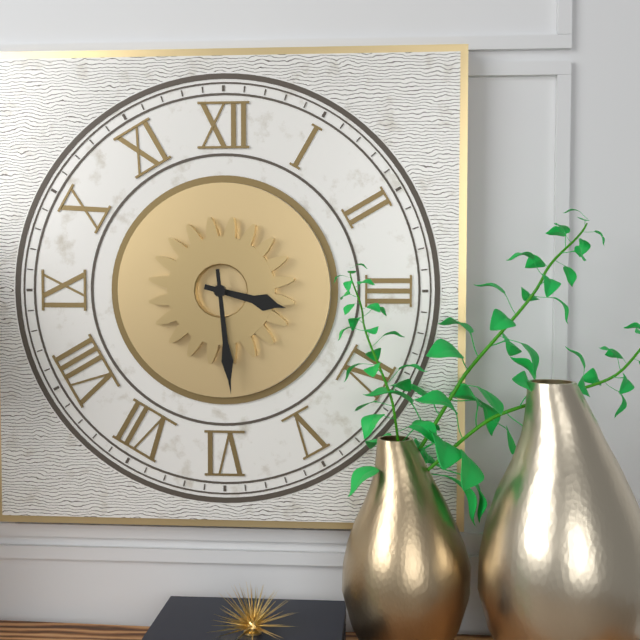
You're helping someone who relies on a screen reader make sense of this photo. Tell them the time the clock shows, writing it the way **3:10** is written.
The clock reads **3:29**
